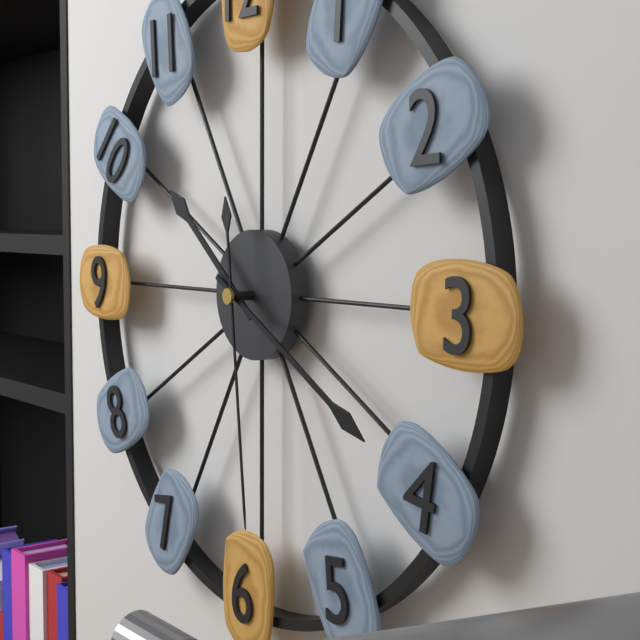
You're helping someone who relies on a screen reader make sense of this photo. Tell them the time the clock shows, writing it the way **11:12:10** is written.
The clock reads **10:20:29**
